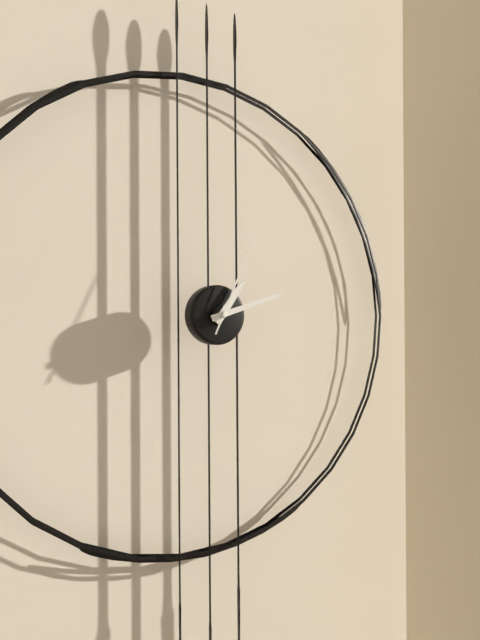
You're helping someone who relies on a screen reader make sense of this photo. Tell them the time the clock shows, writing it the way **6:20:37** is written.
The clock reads **1:12:04**
